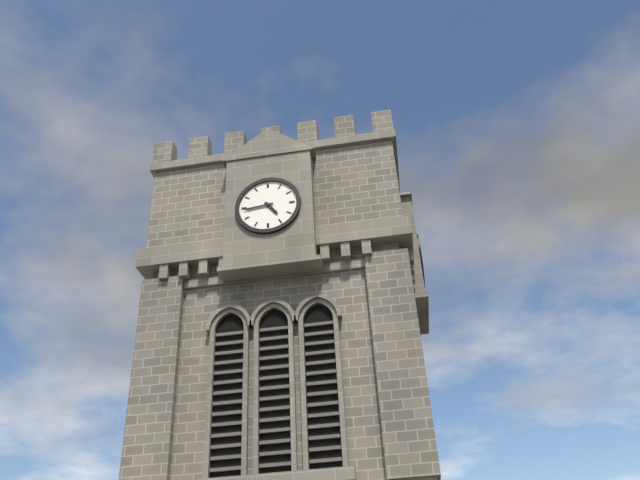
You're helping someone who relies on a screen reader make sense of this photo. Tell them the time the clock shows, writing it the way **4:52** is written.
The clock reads **4:44**
